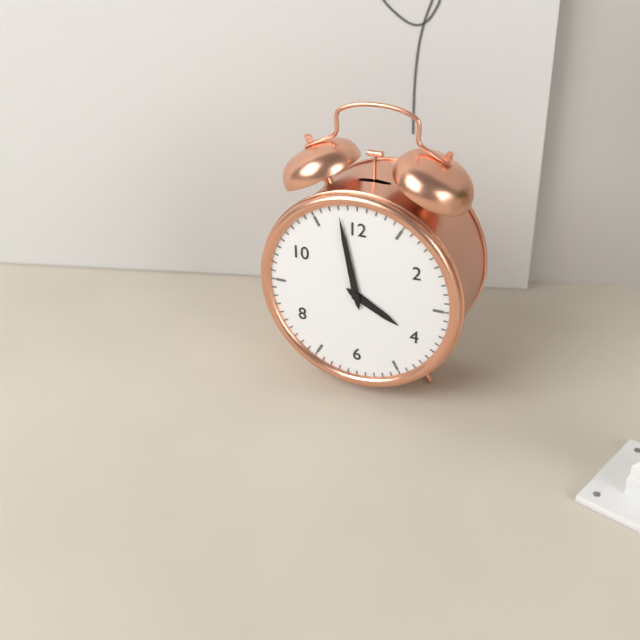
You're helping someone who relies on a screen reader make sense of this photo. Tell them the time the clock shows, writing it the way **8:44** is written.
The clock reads **3:58**
